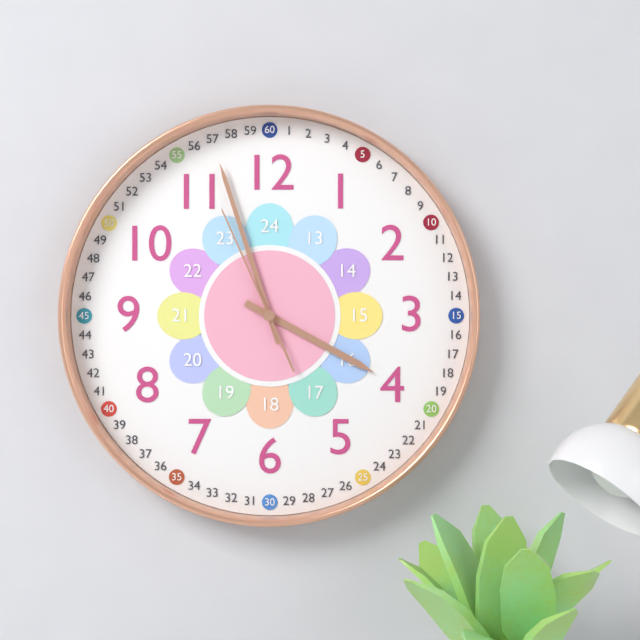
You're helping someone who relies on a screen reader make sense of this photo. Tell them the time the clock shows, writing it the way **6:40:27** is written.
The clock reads **3:57:56**
